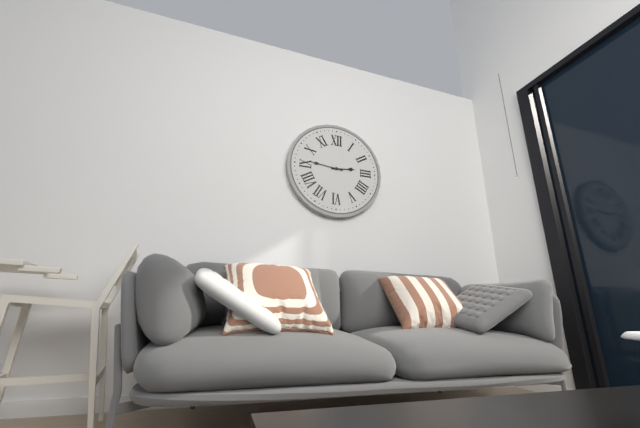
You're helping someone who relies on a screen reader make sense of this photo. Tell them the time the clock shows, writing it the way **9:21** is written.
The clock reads **2:46**
